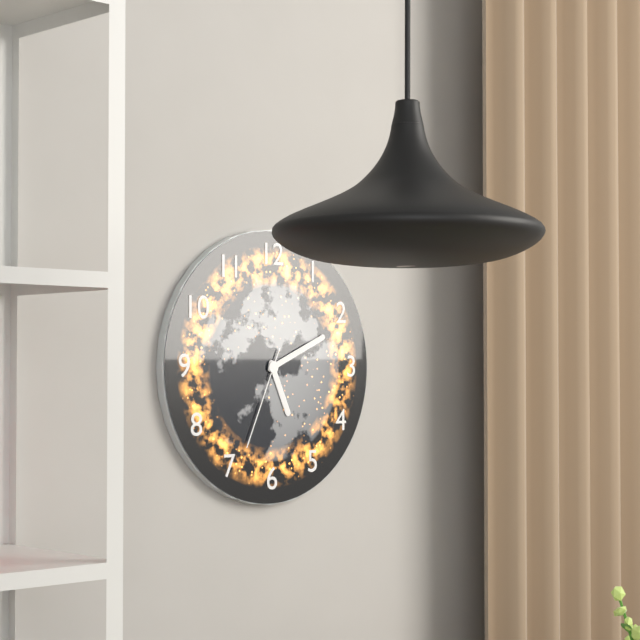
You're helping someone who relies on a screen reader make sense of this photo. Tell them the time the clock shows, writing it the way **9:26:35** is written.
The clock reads **5:11:34**
